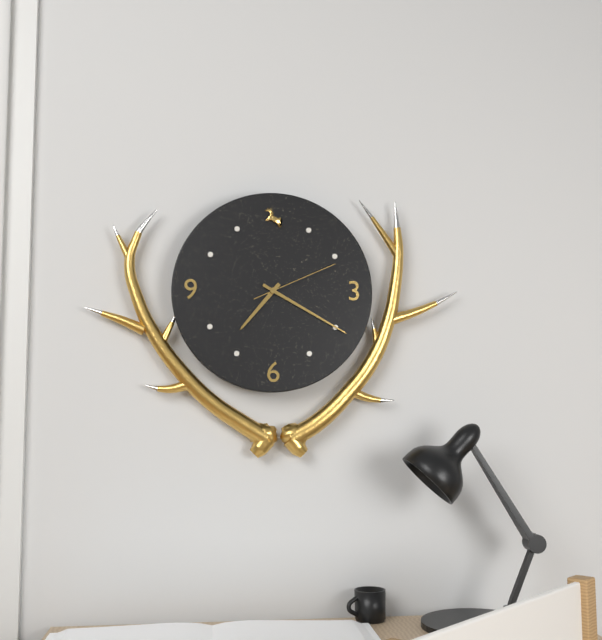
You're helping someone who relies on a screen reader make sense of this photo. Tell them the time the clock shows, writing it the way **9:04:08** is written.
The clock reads **7:20:11**
